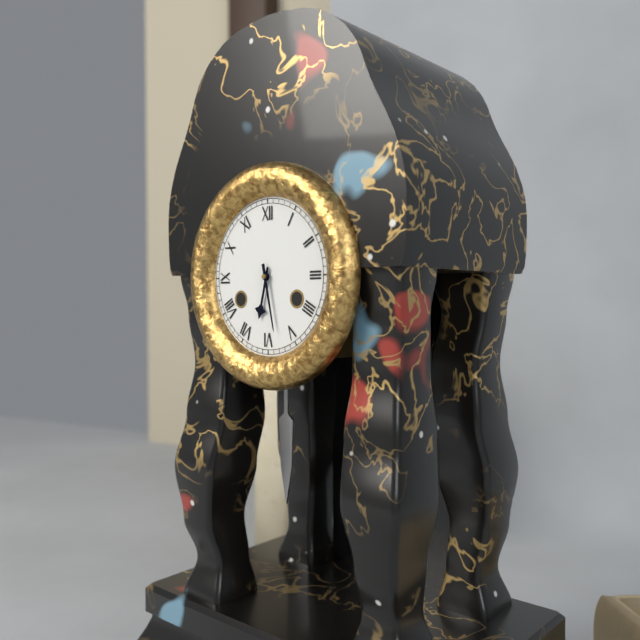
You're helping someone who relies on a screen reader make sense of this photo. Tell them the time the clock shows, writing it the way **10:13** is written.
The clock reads **6:28**
